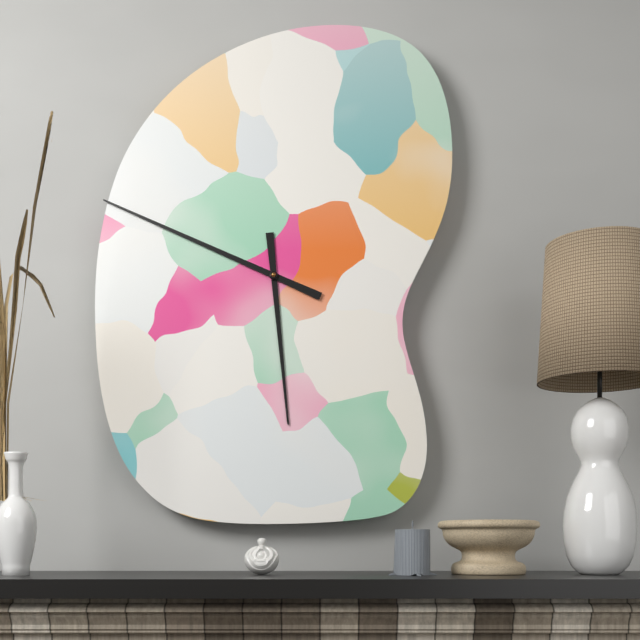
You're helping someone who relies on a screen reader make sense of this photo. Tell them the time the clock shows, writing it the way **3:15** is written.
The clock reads **5:49**
